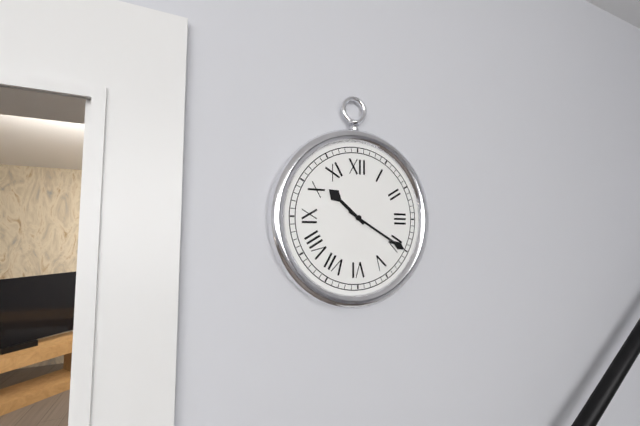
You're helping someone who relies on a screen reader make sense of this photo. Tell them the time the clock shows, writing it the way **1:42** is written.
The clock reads **10:20**
